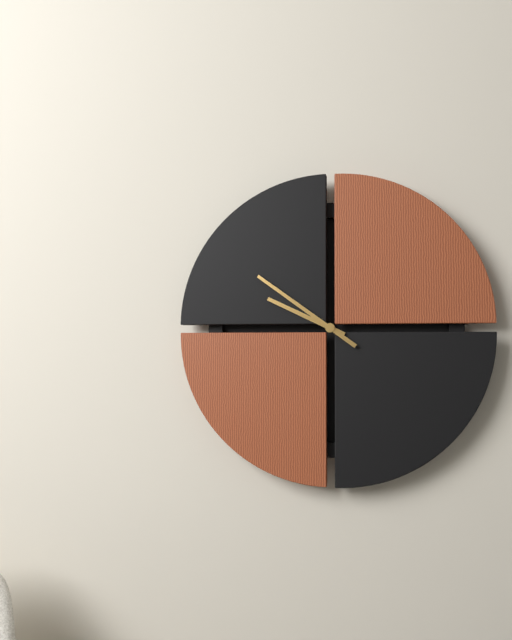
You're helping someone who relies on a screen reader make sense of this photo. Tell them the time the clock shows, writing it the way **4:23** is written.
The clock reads **9:51**
